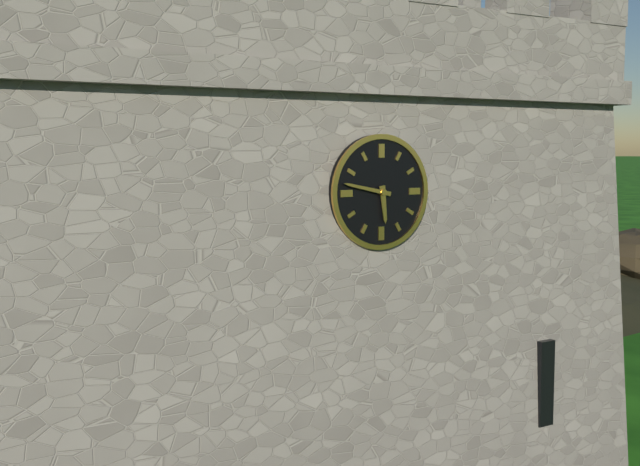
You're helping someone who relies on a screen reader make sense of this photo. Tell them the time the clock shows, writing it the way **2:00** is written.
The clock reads **5:47**
